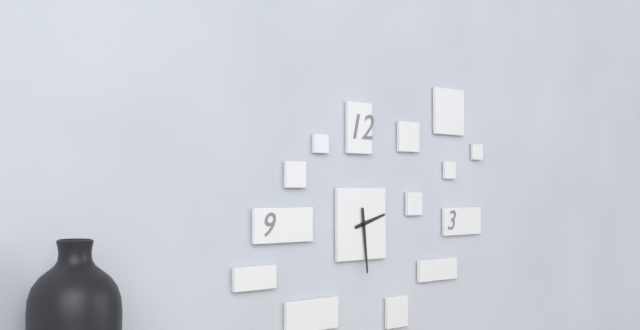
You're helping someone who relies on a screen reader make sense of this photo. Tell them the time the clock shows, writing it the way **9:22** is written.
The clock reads **2:29**
